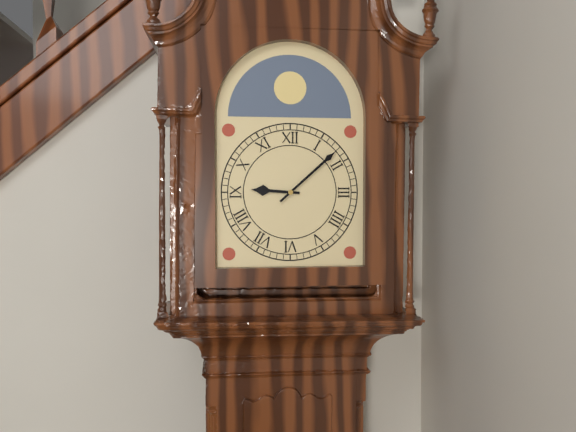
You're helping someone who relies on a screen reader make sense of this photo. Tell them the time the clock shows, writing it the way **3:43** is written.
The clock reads **9:08**
